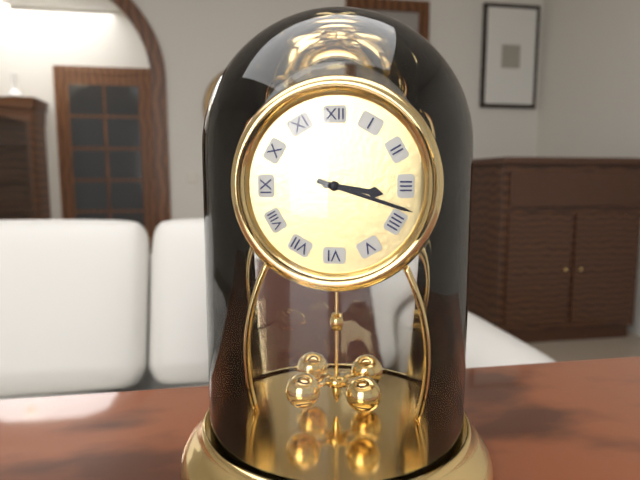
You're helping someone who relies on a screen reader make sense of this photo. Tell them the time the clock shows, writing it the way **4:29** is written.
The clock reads **3:18**
